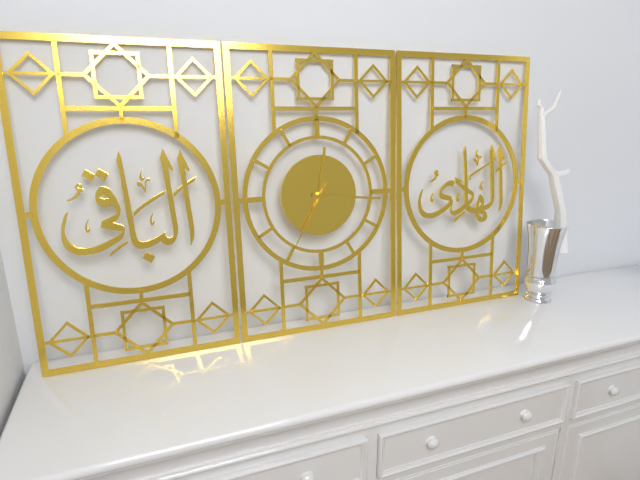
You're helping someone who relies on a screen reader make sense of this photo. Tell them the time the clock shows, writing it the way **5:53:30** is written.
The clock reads **12:16:35**
